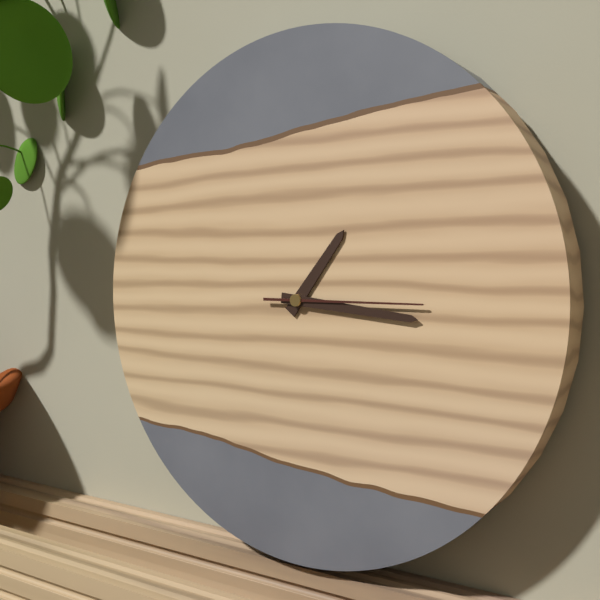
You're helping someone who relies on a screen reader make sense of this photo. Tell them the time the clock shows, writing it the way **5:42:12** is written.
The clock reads **1:16:15**
